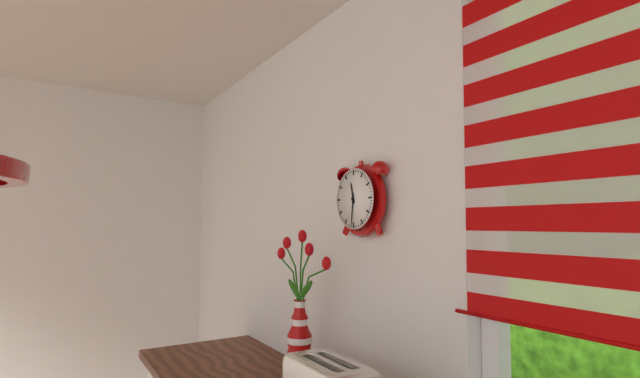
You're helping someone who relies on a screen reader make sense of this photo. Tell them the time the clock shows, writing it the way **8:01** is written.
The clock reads **11:31**
